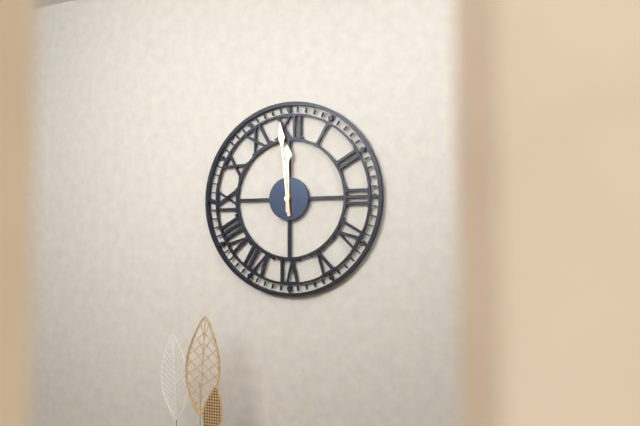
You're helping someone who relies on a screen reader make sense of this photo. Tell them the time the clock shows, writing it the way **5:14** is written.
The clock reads **11:59**
